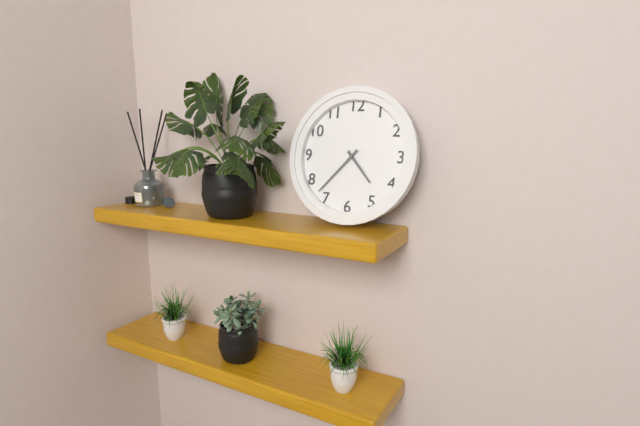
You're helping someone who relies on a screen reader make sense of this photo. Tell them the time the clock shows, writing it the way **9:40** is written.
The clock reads **4:37**
